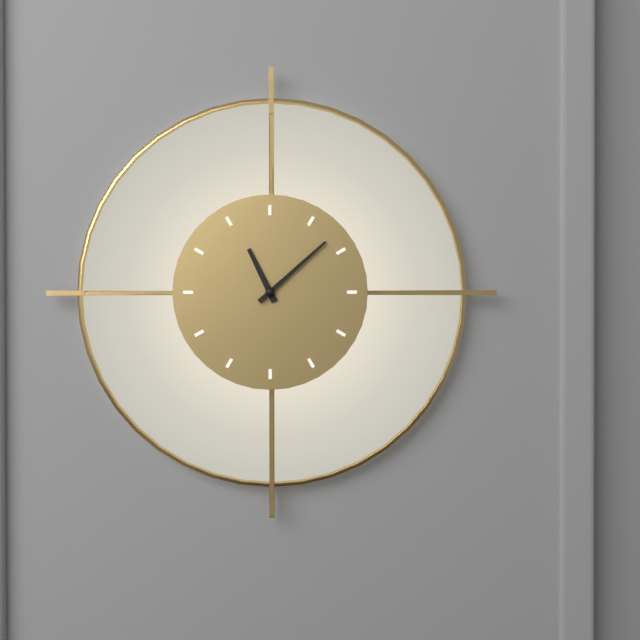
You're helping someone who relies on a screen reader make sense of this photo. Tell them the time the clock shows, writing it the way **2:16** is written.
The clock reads **11:08**
